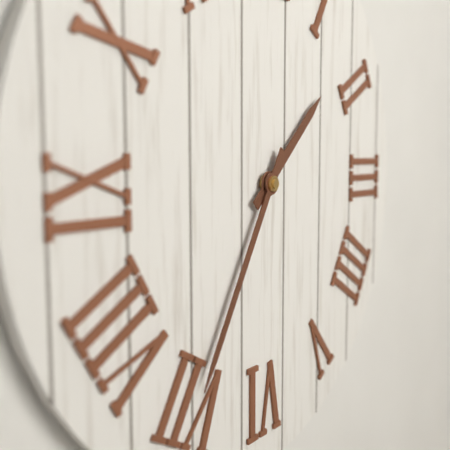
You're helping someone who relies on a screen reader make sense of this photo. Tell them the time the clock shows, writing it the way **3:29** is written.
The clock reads **1:35**
